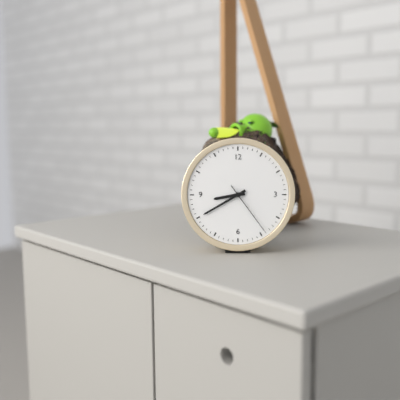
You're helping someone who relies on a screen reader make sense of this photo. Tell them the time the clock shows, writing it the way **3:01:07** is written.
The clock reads **8:40:24**
